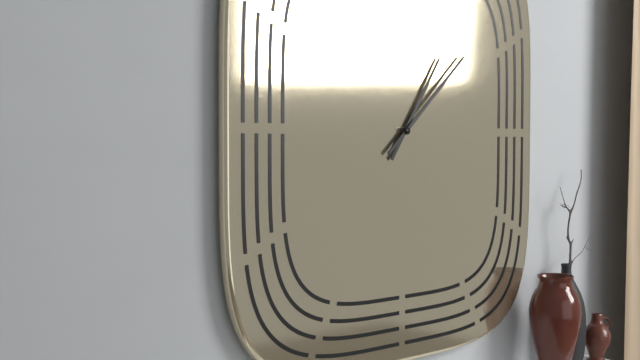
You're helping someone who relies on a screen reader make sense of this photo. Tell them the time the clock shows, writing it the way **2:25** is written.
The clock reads **1:08**
